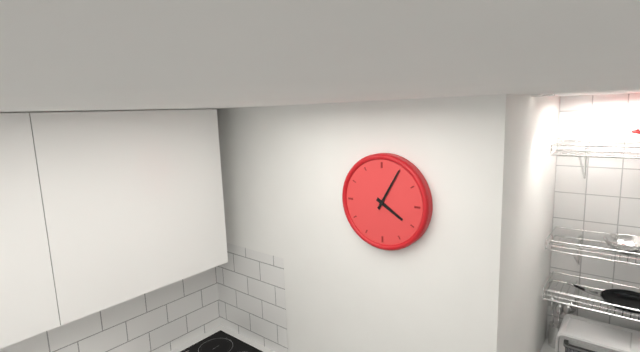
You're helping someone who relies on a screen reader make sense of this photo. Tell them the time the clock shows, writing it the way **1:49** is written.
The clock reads **4:05**
